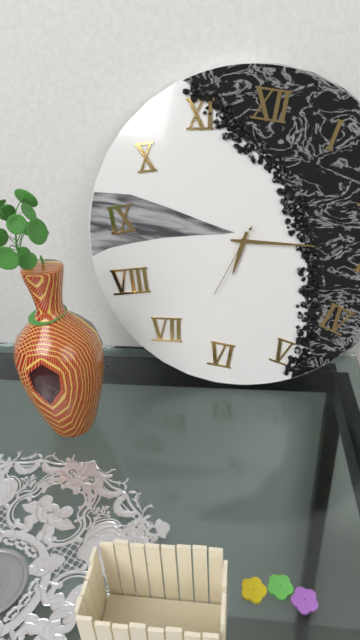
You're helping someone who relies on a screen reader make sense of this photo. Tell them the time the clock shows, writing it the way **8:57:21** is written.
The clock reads **6:14:33**
